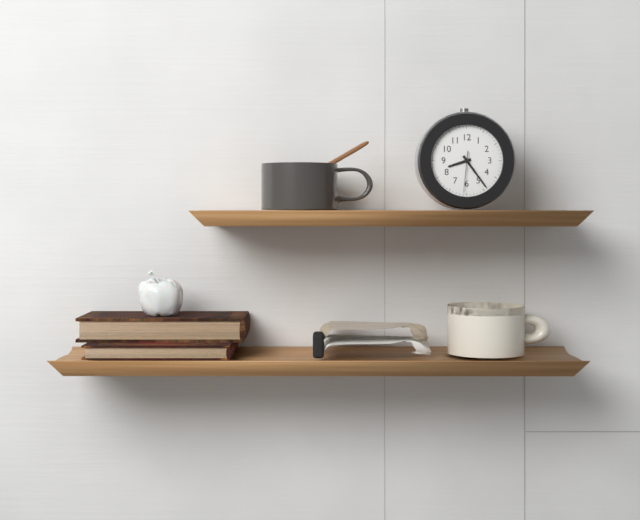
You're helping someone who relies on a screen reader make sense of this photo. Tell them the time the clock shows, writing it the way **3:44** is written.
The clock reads **8:24**
